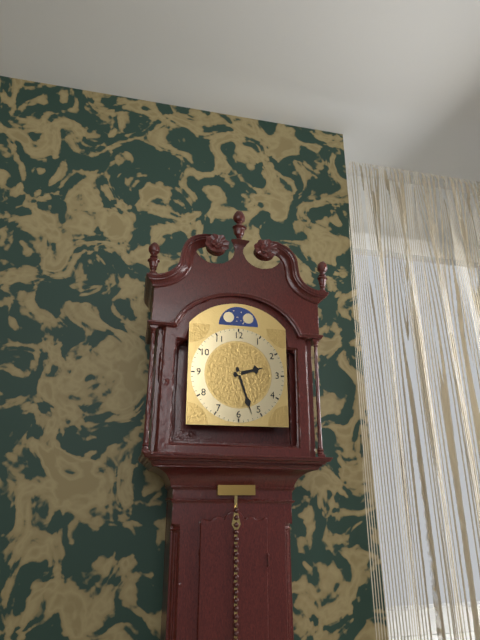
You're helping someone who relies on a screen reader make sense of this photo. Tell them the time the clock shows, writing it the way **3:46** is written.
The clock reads **2:27**
